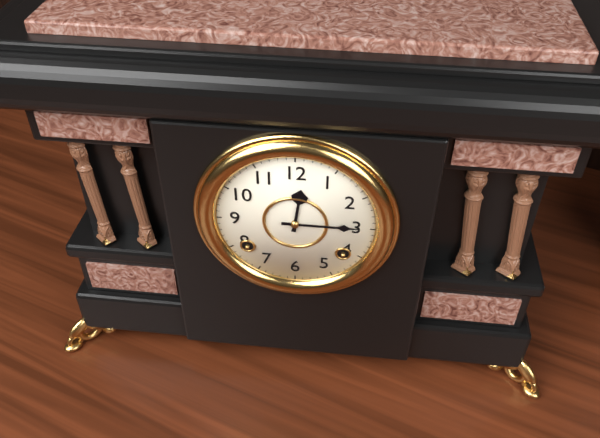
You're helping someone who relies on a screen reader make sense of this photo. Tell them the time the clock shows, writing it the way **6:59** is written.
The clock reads **12:15**
